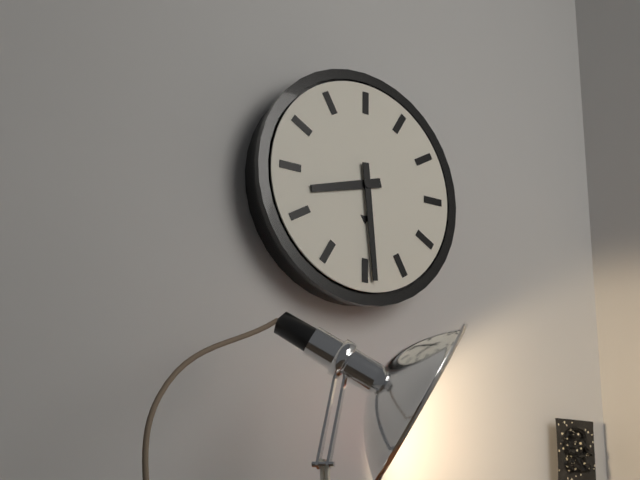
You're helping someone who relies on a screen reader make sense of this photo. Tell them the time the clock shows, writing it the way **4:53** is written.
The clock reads **8:29**
